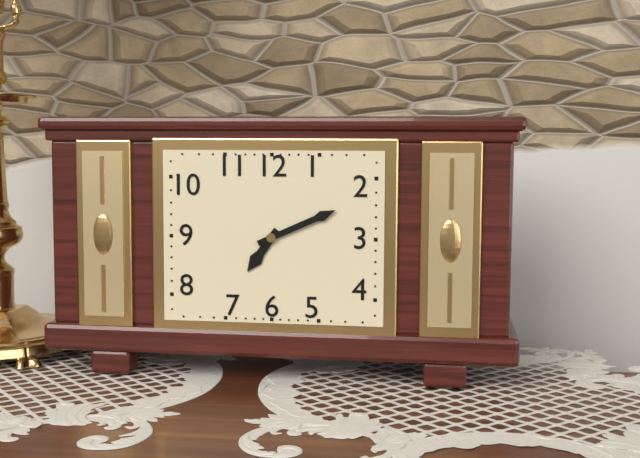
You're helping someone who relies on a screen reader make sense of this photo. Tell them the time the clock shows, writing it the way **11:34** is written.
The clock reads **7:11**
